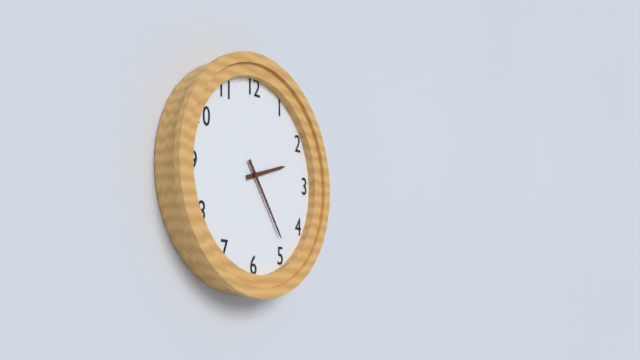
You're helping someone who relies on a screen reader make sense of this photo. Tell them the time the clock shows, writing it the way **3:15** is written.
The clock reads **2:24**
